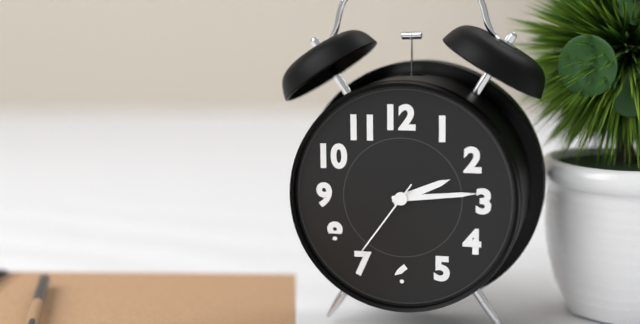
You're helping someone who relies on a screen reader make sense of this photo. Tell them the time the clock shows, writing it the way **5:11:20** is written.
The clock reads **2:14:36**
